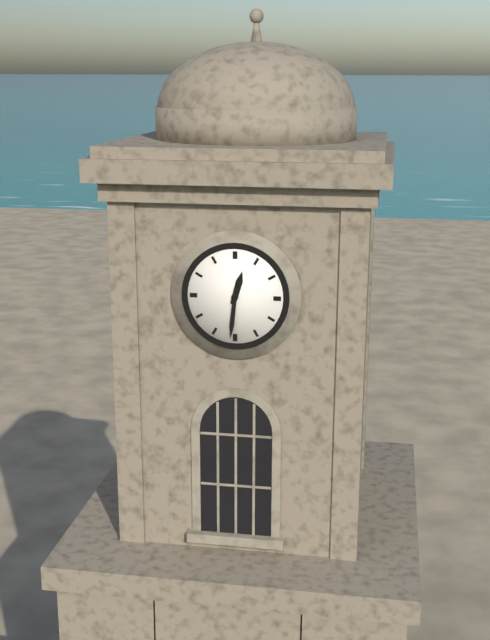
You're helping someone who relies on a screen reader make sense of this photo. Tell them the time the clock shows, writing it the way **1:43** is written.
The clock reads **12:31**
